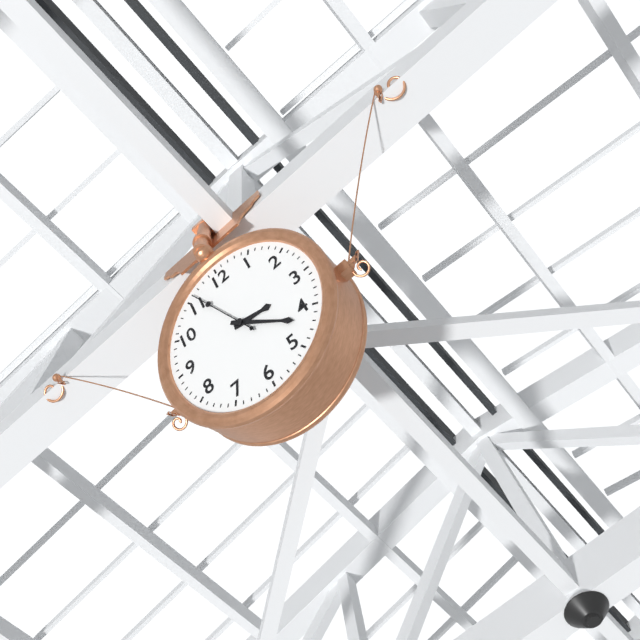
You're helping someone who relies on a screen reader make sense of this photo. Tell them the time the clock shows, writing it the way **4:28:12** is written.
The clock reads **3:22:56**
